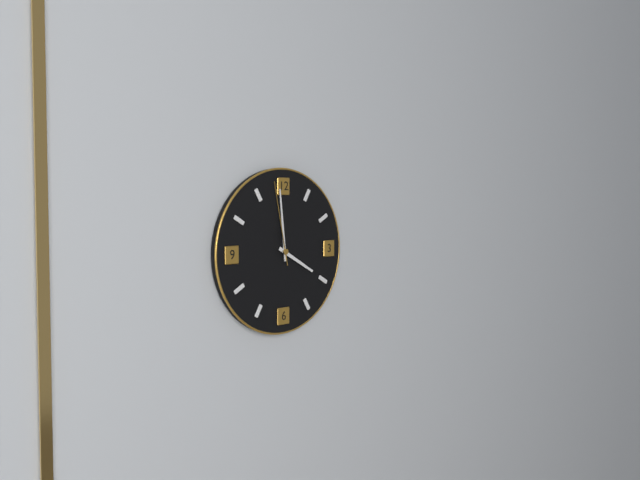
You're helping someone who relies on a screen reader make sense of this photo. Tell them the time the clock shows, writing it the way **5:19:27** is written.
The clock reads **3:59:58**
